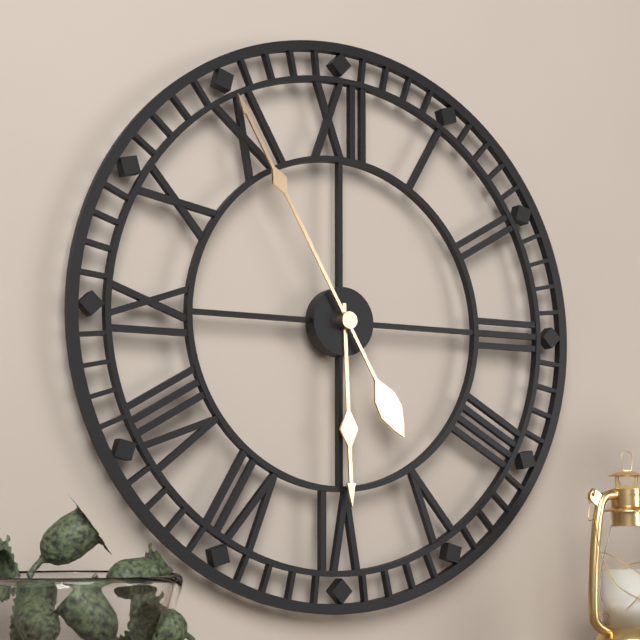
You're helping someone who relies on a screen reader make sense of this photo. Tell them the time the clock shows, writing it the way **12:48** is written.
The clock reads **5:55**
